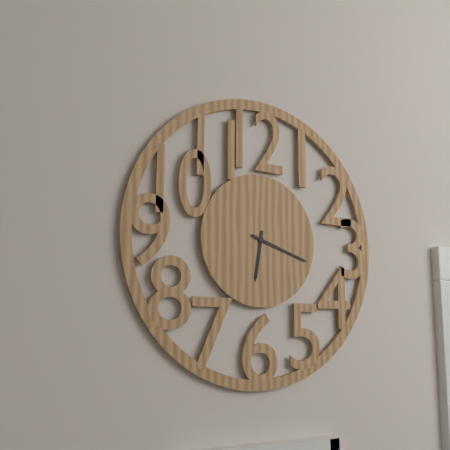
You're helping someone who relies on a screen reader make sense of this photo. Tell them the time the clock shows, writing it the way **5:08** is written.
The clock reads **6:18**
